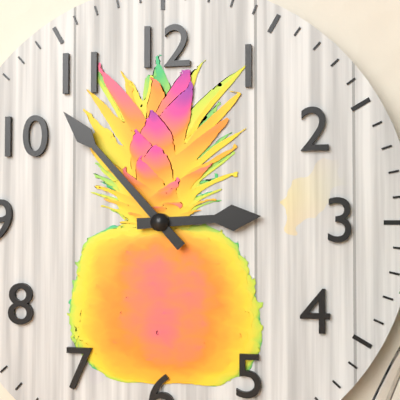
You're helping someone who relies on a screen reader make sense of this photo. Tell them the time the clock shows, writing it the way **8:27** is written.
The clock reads **2:53**
